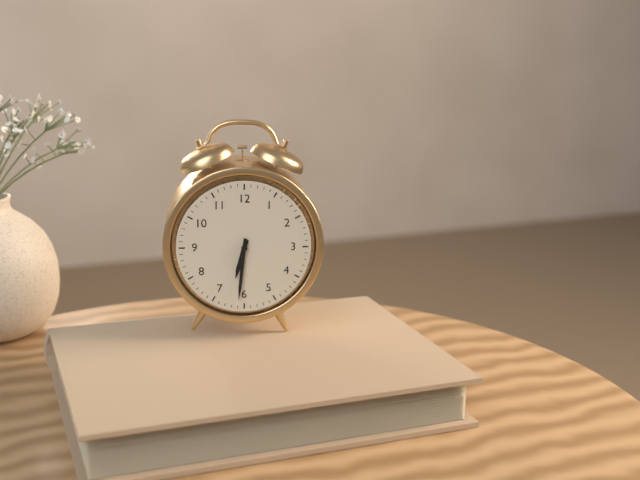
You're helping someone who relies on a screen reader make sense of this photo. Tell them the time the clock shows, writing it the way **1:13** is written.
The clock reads **6:31**
